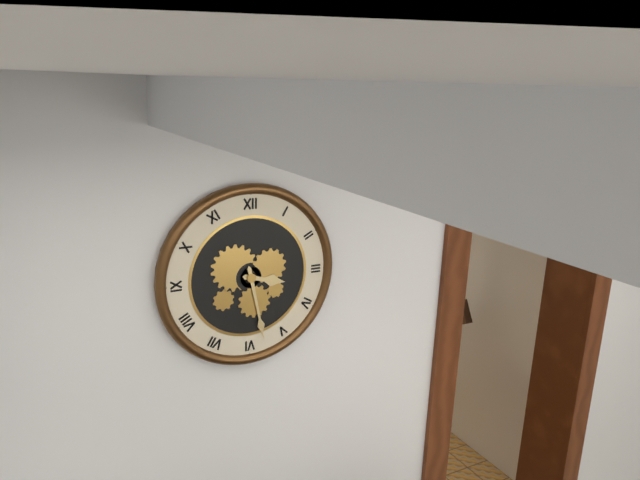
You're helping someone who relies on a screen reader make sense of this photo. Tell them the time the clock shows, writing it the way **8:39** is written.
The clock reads **3:28**
